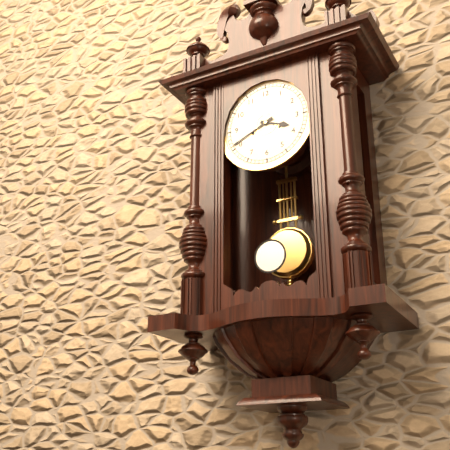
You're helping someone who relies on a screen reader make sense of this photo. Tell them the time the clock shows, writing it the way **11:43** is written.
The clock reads **3:41**
